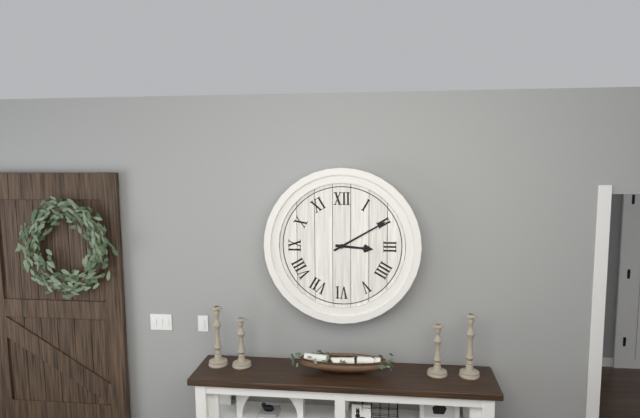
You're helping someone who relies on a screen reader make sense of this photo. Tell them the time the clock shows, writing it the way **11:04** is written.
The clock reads **3:10**
